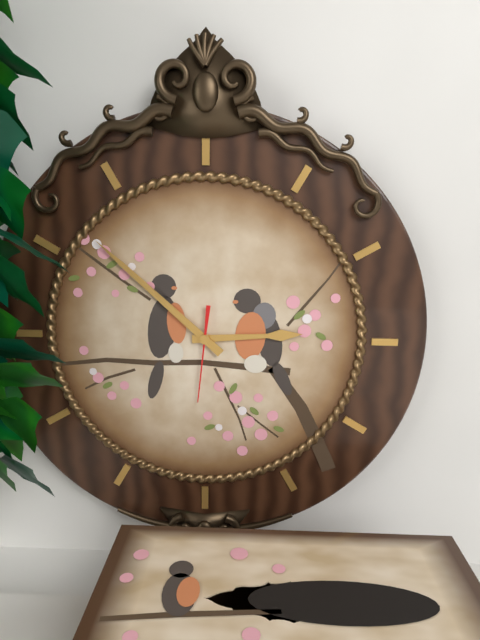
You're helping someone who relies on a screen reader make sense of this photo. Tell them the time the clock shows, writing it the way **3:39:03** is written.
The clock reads **2:52:31**
